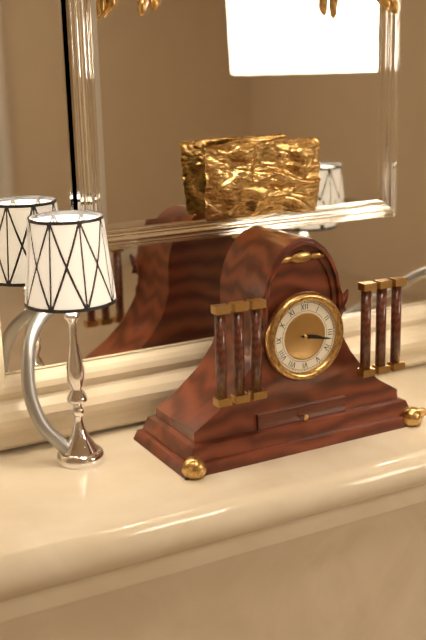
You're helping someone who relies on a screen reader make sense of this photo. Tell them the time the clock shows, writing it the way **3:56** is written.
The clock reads **3:17**
